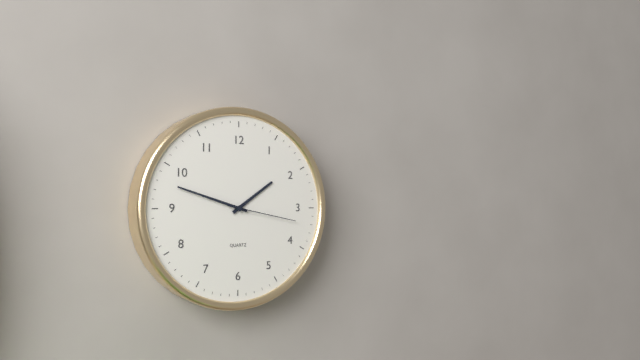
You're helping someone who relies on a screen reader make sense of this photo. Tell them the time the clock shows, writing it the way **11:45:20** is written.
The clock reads **1:48:17**
